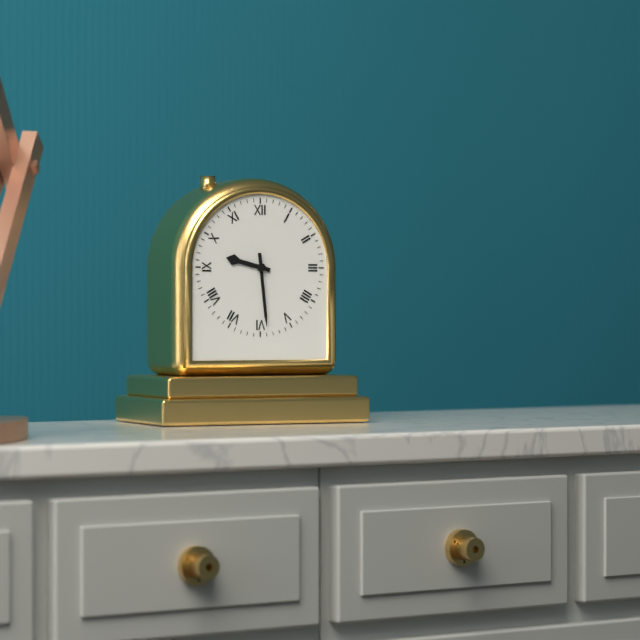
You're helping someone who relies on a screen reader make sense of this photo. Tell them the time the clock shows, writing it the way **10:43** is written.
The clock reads **9:29**
